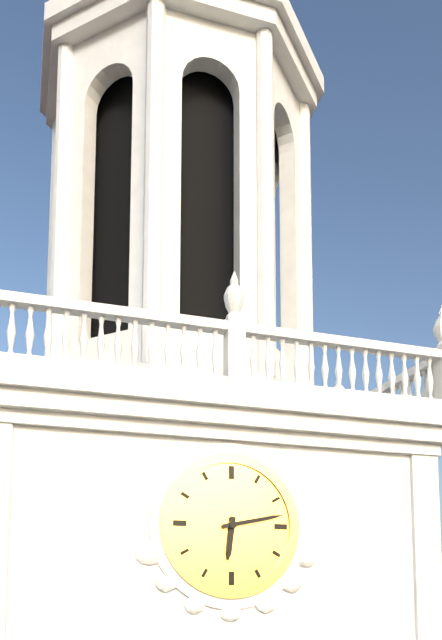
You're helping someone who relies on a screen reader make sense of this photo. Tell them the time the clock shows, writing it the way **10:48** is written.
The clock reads **6:13**
